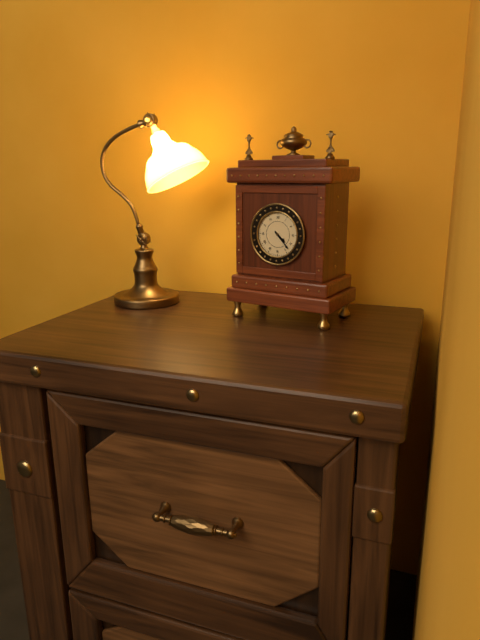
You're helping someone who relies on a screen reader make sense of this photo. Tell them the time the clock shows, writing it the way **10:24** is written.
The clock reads **4:23**
